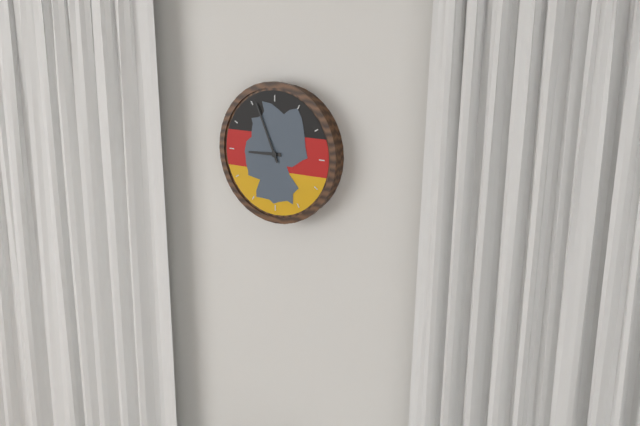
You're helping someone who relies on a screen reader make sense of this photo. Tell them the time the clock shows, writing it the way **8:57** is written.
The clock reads **8:56**
